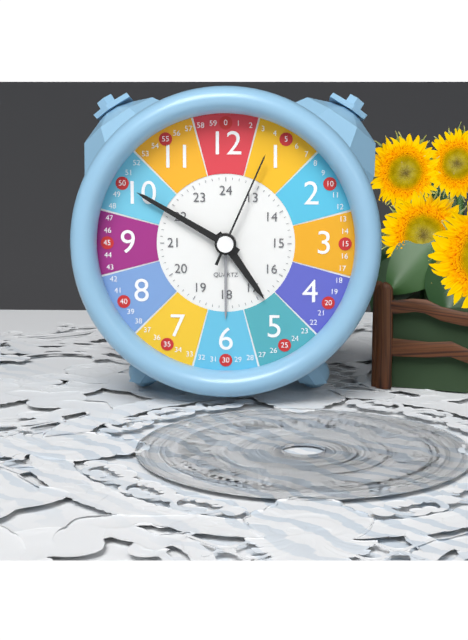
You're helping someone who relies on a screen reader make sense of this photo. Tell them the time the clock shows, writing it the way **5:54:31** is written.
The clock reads **4:50:04**
